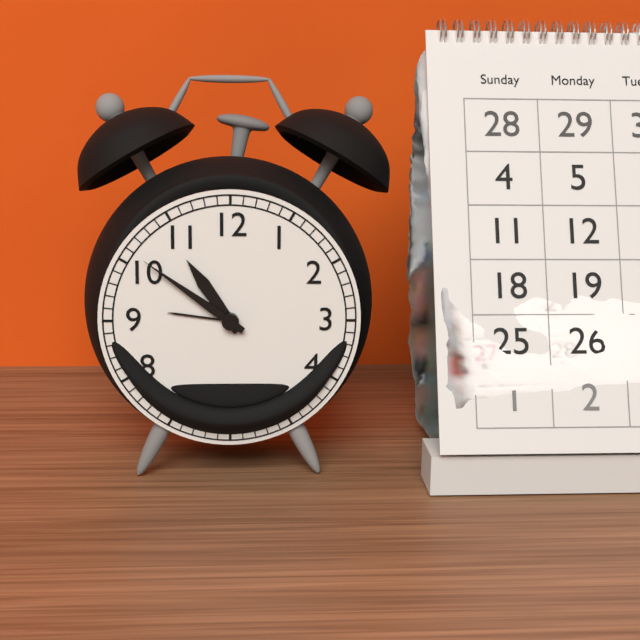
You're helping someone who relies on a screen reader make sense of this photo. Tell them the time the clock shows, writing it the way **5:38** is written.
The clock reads **10:51**
